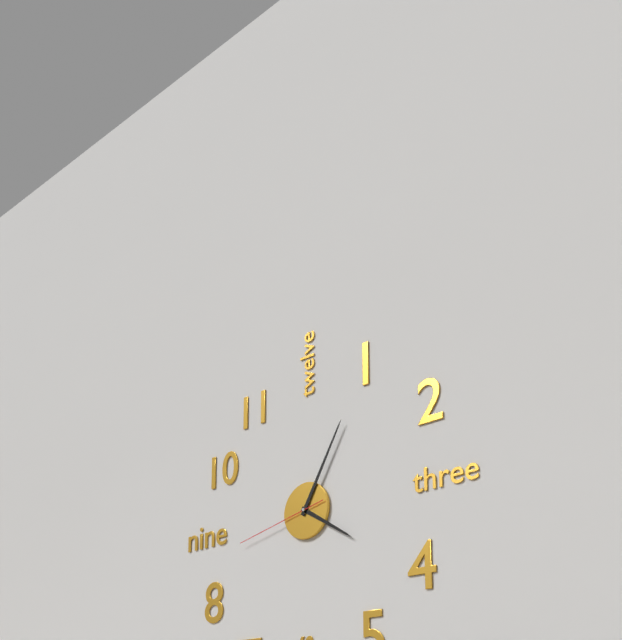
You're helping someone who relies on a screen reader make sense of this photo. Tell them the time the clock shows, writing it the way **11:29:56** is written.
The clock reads **4:05:43**
